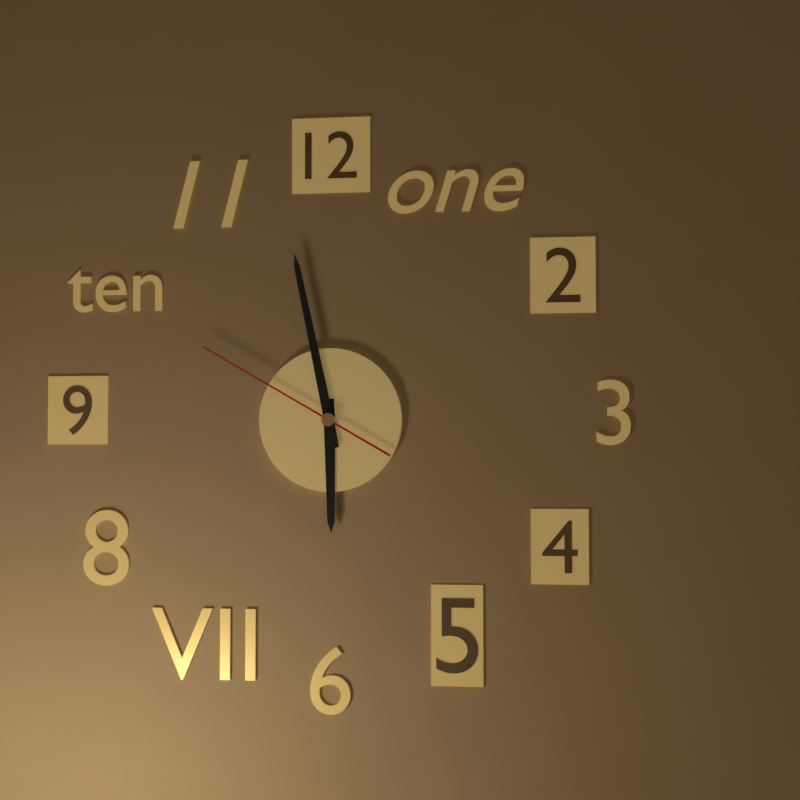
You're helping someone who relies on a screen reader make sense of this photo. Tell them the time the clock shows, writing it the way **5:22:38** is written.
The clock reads **5:58:50**
